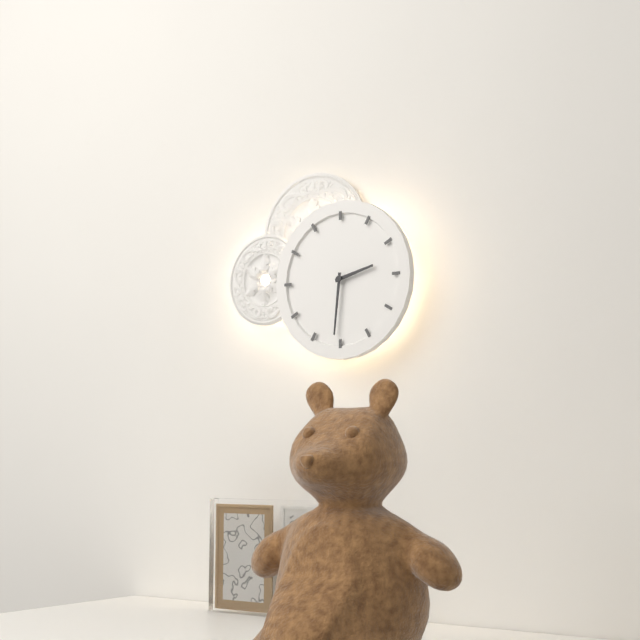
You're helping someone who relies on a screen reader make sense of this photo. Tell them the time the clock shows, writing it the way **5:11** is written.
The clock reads **2:31**
